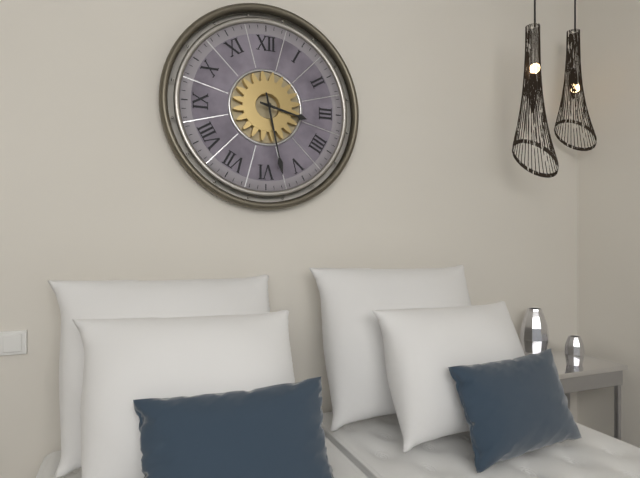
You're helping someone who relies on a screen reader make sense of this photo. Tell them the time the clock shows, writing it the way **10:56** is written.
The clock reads **3:28**
